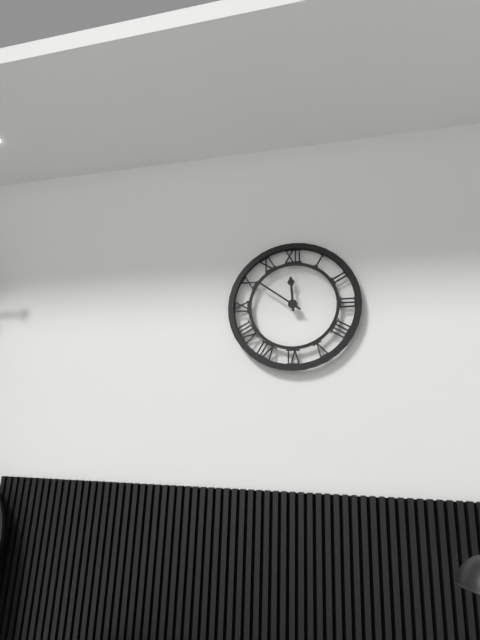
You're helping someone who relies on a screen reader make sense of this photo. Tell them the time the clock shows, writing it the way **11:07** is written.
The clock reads **11:51**
